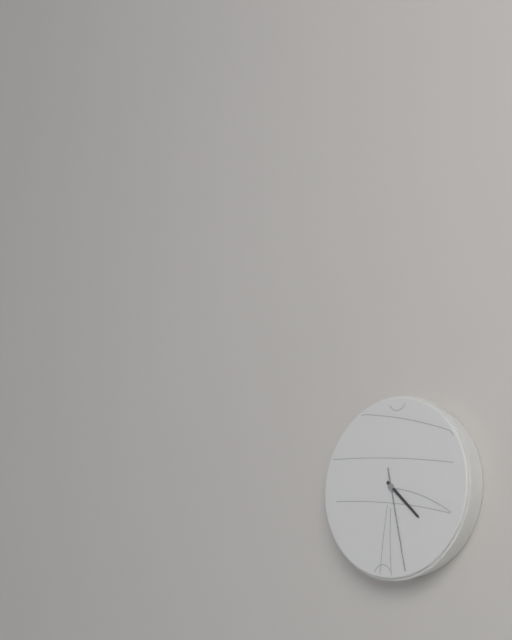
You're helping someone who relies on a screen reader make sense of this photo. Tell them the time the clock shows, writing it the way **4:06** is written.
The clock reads **4:28**
